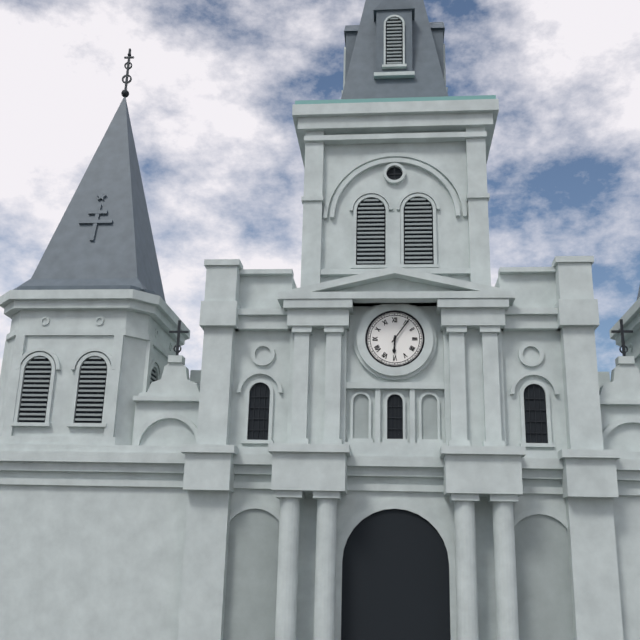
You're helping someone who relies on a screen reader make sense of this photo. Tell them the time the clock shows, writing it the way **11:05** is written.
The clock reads **6:06**
